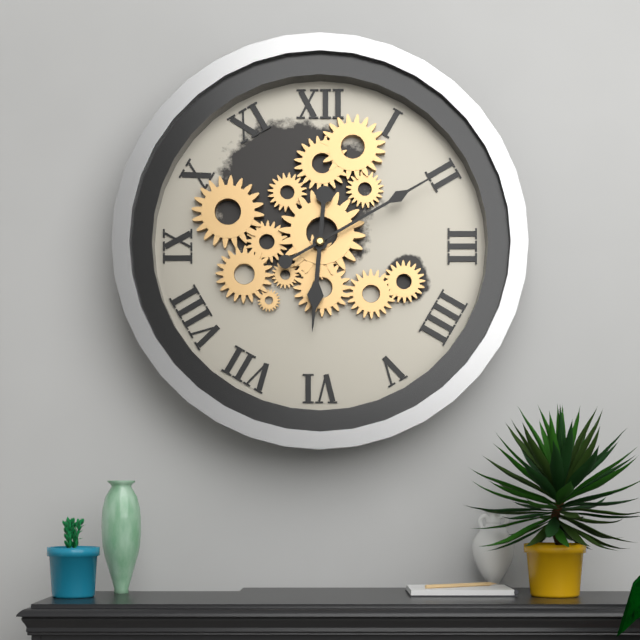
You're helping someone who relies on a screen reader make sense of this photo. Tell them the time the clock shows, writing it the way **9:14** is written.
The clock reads **6:10**
